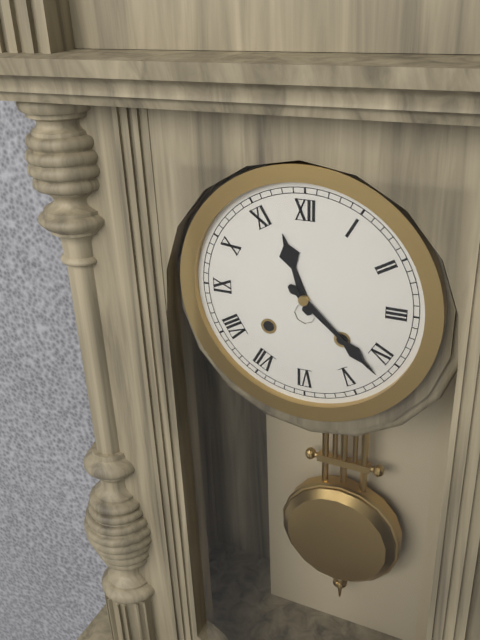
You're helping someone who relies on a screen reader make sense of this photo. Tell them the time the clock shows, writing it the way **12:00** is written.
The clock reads **11:22**
